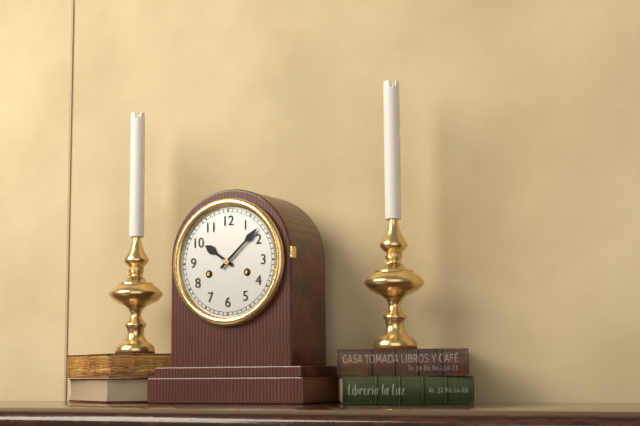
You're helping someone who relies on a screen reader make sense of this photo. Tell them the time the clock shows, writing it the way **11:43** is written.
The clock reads **10:08**
